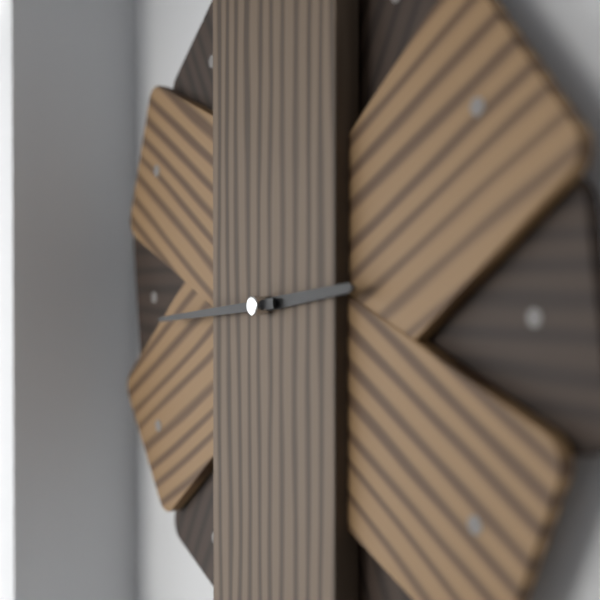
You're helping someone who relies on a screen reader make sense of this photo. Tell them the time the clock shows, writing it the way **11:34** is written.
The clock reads **2:44**
